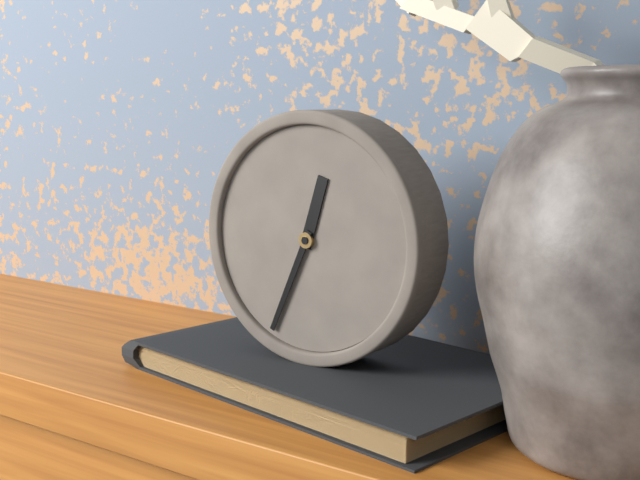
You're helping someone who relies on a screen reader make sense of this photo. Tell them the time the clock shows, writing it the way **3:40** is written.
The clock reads **12:34**
